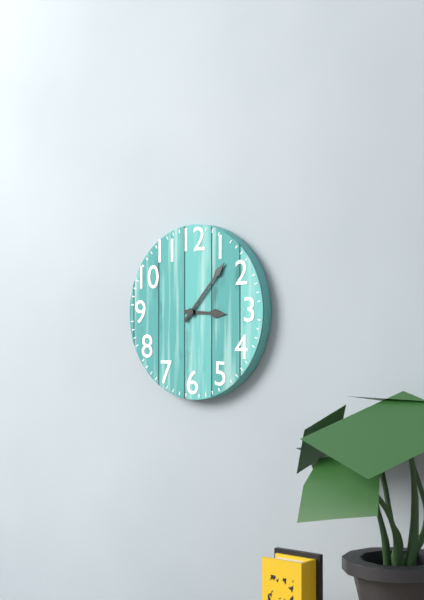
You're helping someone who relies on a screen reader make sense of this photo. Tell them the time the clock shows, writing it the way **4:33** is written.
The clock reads **3:07**
